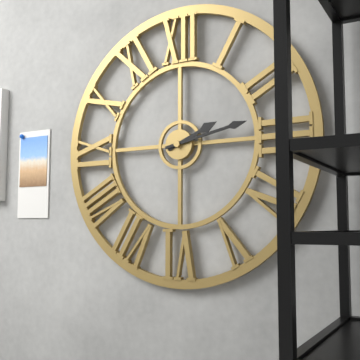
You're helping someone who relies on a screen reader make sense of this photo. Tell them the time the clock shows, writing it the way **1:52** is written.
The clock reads **2:13**
